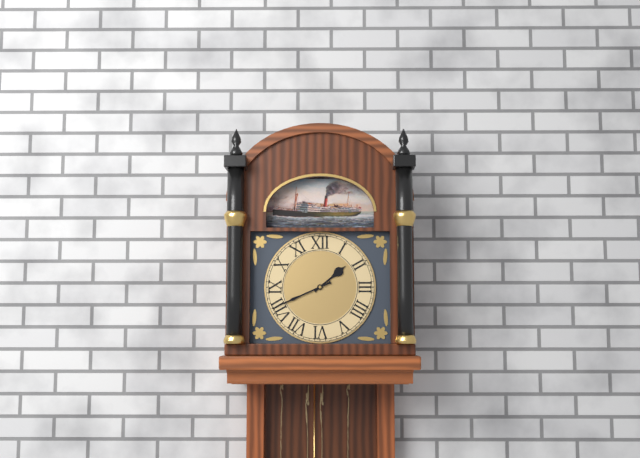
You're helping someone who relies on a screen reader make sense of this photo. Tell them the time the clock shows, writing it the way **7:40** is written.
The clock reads **1:41**
